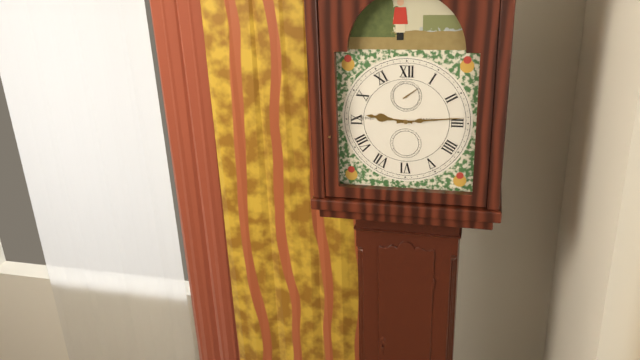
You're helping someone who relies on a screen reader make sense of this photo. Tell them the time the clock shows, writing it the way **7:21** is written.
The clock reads **9:14**
